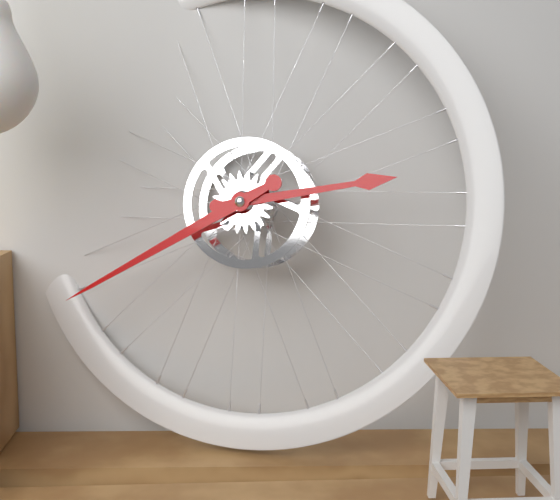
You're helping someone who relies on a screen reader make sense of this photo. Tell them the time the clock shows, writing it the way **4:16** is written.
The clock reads **2:40**
